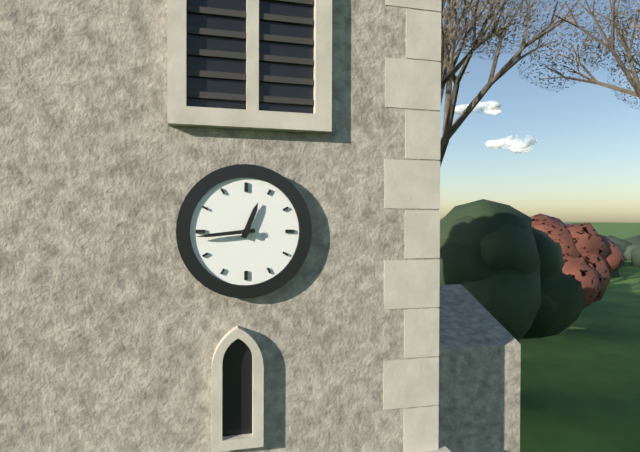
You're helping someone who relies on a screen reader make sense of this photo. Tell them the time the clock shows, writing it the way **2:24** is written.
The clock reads **12:44**
